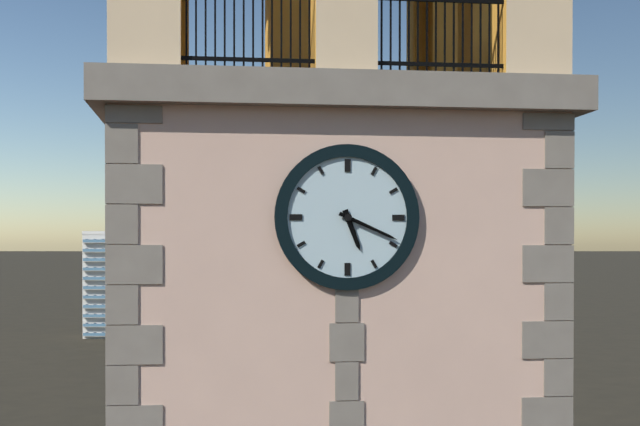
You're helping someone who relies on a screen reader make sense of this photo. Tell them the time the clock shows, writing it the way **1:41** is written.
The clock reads **5:19**
